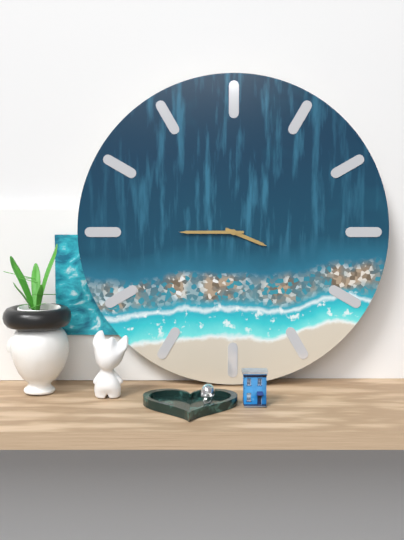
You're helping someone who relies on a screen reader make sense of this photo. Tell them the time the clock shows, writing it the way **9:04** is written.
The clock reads **3:45**
